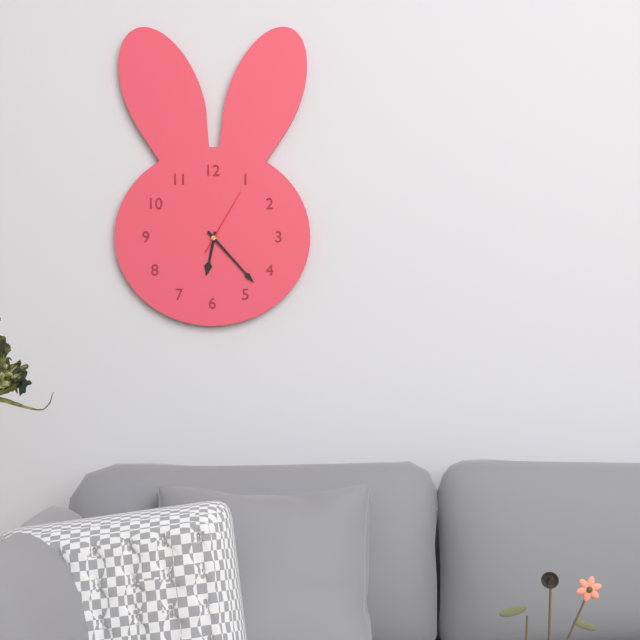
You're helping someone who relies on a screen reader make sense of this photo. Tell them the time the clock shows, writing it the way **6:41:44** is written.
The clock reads **6:23:05**
